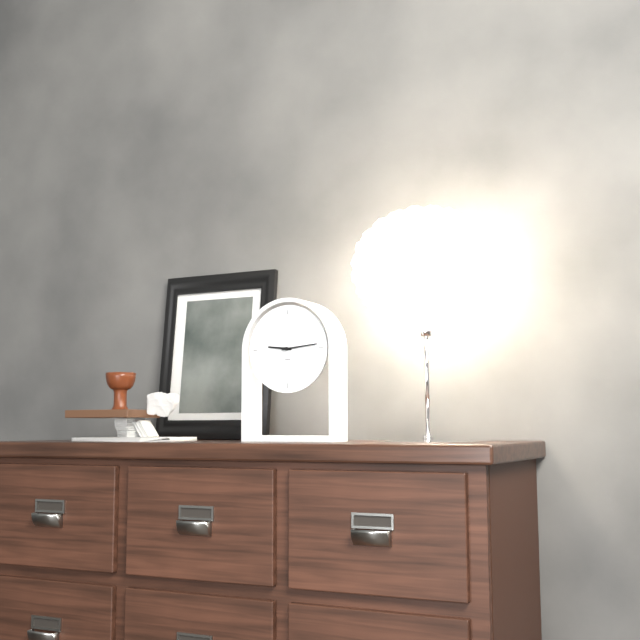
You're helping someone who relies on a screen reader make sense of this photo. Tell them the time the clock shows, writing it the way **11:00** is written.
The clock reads **9:14**
